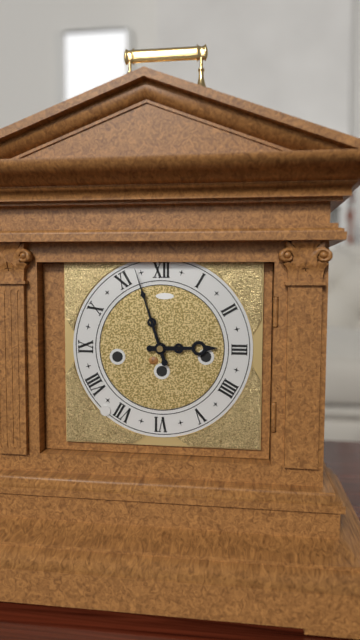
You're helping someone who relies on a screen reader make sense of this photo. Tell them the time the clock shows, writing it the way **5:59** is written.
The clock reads **2:57**
